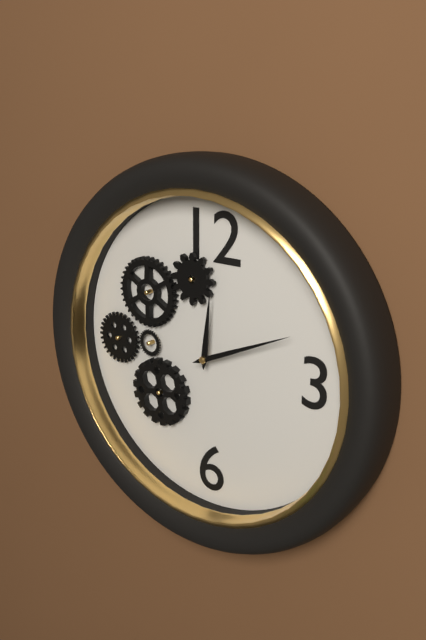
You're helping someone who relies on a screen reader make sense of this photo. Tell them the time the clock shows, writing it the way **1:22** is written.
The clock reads **12:11**
